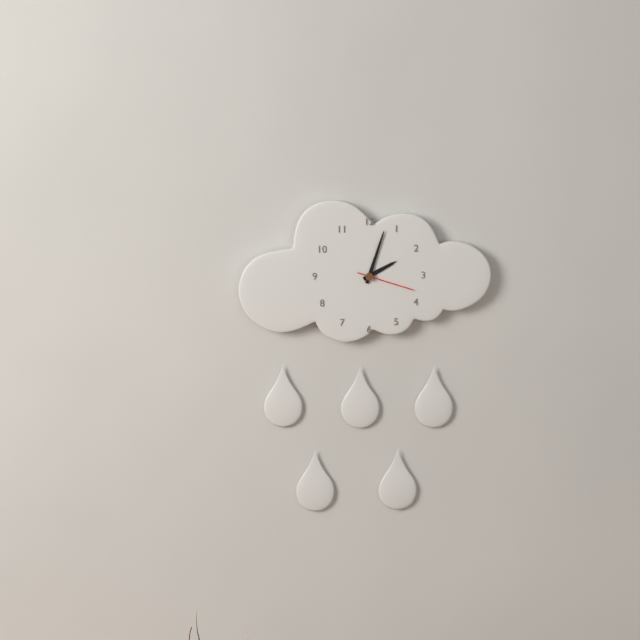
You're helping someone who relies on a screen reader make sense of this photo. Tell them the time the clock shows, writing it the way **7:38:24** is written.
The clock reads **2:03:18**
